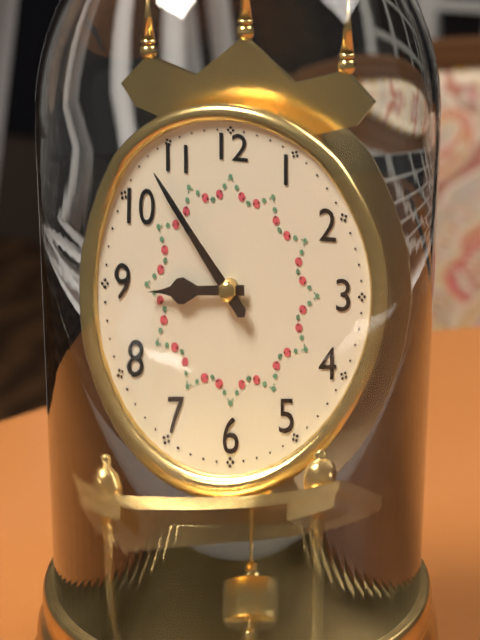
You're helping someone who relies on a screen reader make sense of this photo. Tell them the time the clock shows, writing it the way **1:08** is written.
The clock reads **8:53**
